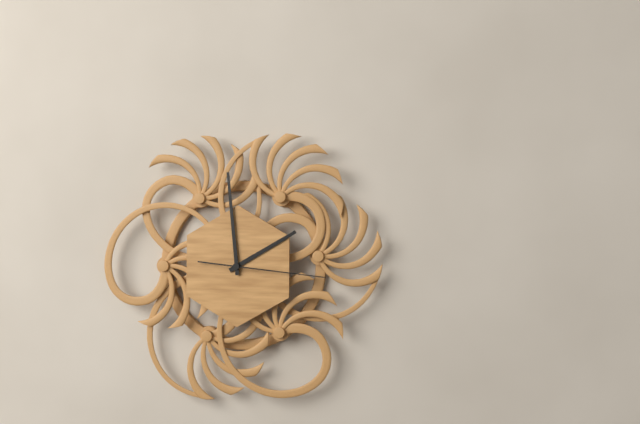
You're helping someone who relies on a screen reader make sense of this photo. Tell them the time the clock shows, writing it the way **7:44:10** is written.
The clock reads **1:59:16**
